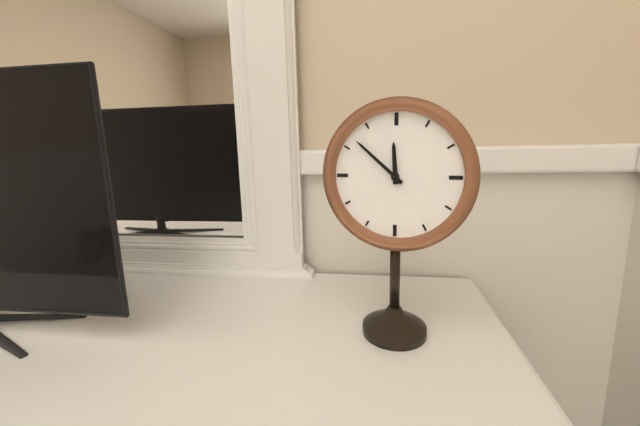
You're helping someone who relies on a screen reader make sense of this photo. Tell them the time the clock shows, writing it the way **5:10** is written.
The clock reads **11:52**
